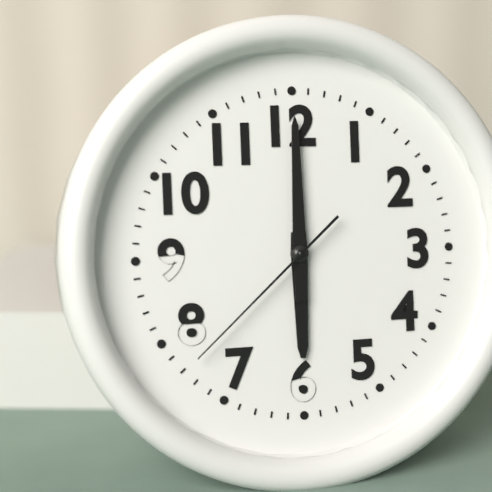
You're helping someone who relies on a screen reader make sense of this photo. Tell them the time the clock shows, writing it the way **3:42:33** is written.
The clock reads **6:00:38**
